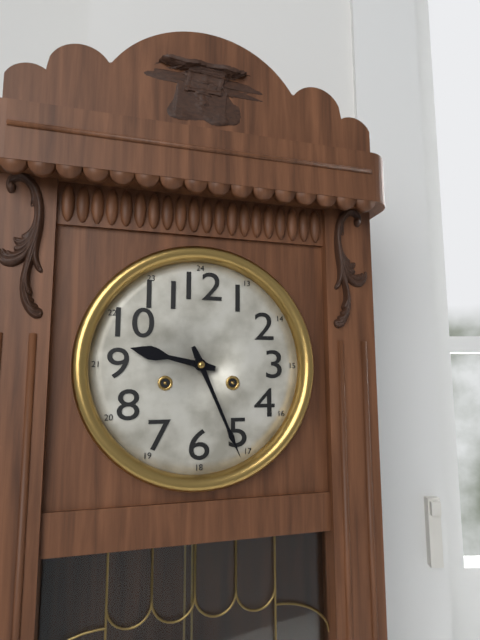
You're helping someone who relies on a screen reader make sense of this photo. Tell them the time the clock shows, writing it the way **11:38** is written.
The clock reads **9:26**
